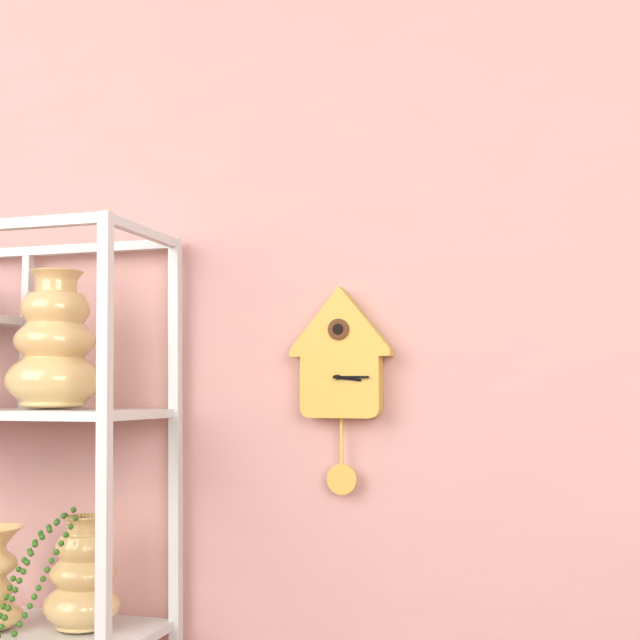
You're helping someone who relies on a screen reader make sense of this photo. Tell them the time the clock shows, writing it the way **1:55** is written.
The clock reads **3:15**
